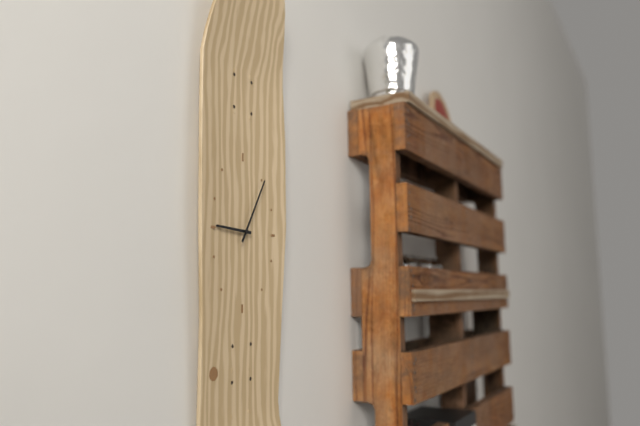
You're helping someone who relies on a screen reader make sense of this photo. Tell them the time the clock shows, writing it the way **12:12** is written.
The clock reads **9:05**
